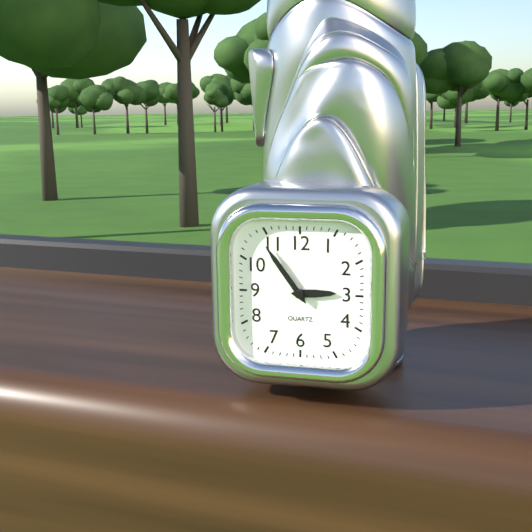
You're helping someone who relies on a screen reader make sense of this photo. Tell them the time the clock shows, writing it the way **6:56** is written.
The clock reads **2:54**
